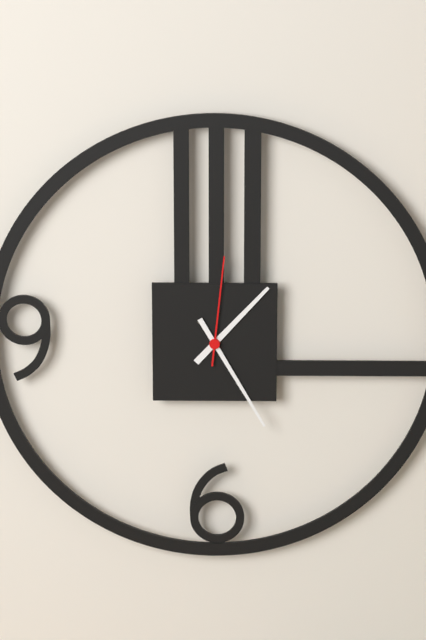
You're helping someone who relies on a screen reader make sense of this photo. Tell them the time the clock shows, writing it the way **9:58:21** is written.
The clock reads **1:25:01**
